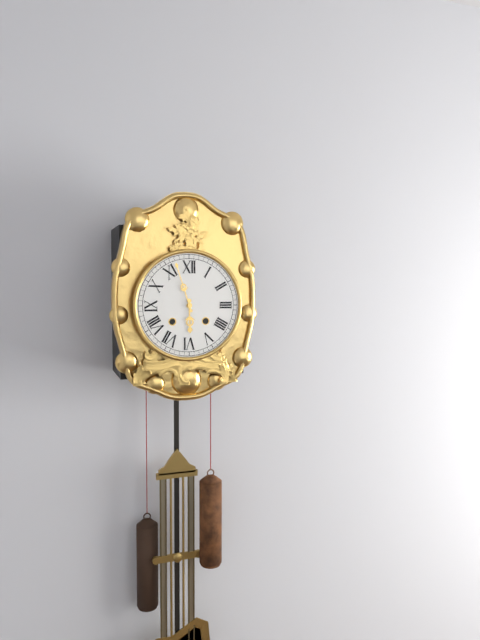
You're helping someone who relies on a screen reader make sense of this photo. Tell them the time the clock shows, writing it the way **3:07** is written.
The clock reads **5:57**
